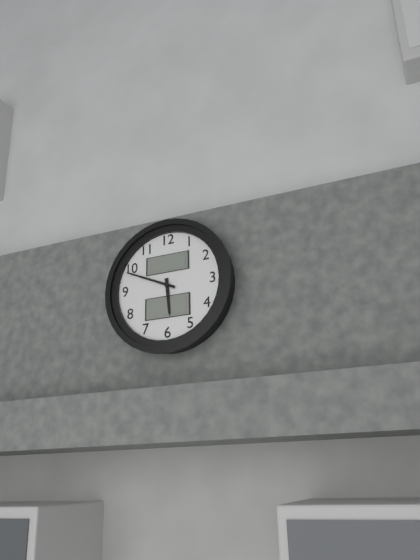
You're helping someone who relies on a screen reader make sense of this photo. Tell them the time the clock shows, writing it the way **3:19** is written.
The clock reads **5:49**
